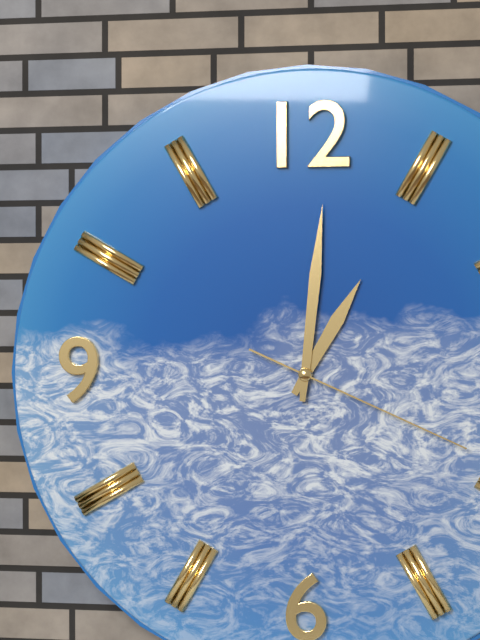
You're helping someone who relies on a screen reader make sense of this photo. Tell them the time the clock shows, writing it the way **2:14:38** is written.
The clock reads **1:01:19**
